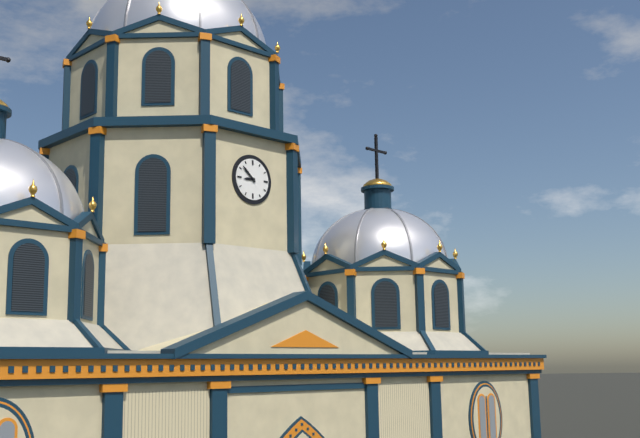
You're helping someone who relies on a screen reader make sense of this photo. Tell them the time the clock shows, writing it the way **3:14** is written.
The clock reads **8:52**
